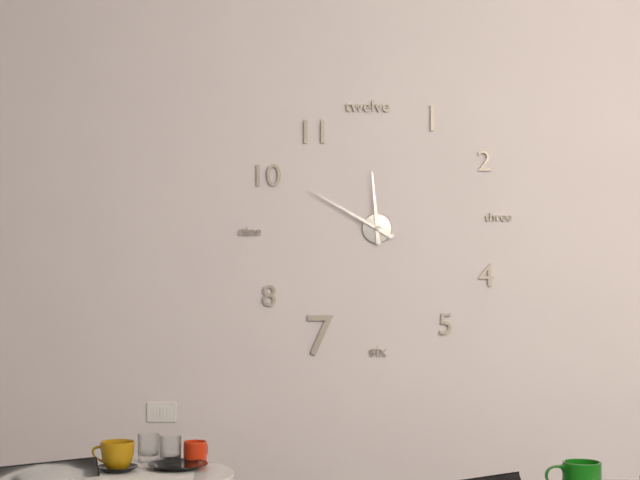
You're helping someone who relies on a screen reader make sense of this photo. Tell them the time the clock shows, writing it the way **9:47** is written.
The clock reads **11:50**
